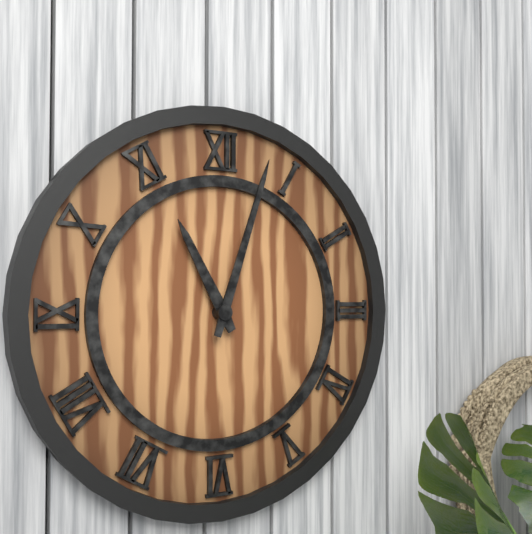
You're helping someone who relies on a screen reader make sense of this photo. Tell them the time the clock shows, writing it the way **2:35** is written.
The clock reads **11:03**
